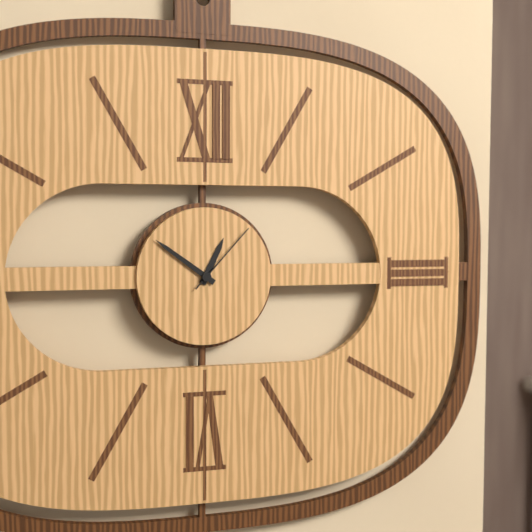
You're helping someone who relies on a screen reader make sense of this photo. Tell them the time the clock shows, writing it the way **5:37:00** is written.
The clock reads **12:51:07**
